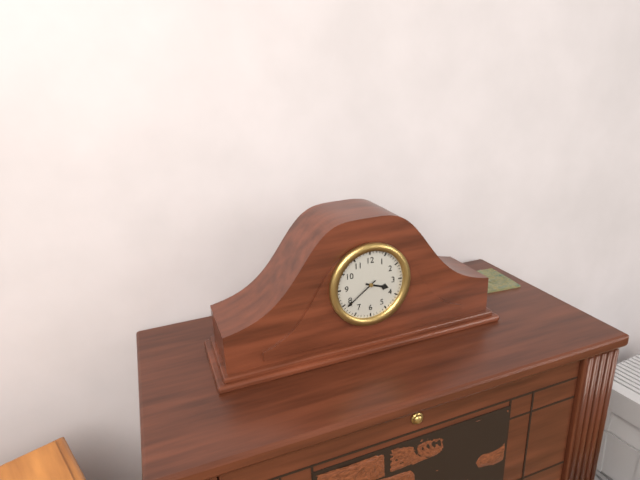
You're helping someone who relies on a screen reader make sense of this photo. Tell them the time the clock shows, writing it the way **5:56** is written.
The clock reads **3:39**
